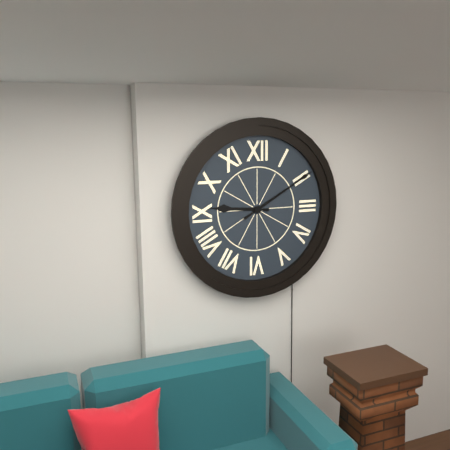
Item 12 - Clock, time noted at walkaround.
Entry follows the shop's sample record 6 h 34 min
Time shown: 9 h 10 min
